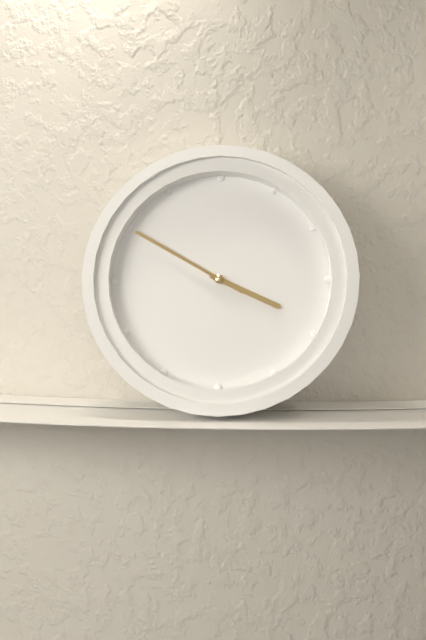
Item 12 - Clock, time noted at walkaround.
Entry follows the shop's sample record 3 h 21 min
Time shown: 3 h 50 min
